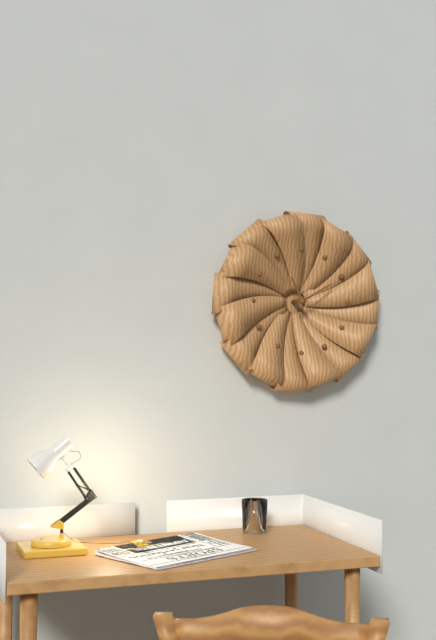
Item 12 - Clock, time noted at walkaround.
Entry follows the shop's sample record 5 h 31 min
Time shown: 11 h 10 min
